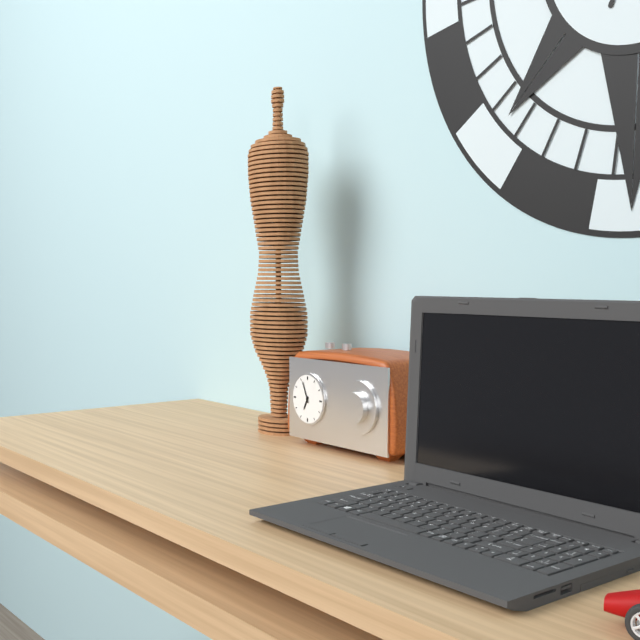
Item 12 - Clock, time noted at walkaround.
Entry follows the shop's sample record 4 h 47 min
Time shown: 6 h 56 min
